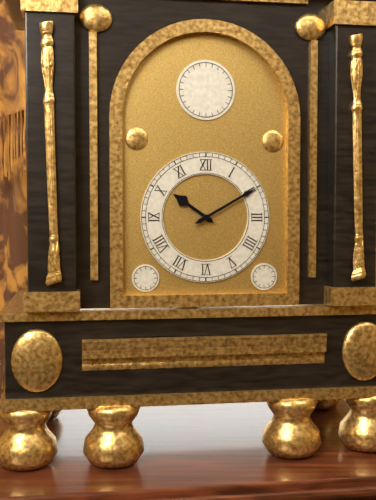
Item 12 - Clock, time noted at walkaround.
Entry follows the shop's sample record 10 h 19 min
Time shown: 10 h 10 min
